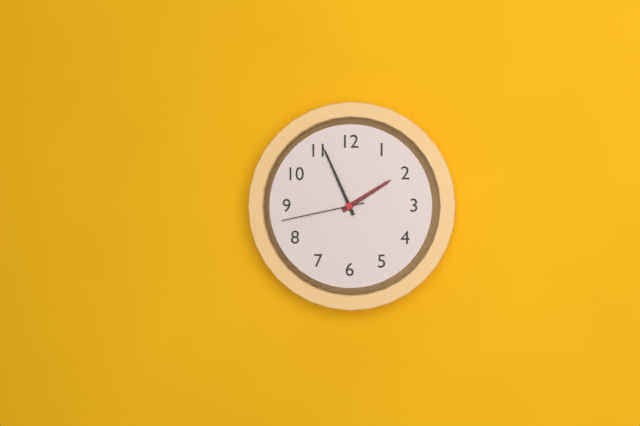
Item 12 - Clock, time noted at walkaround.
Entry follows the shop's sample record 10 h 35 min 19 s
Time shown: 1 h 56 min 43 s
